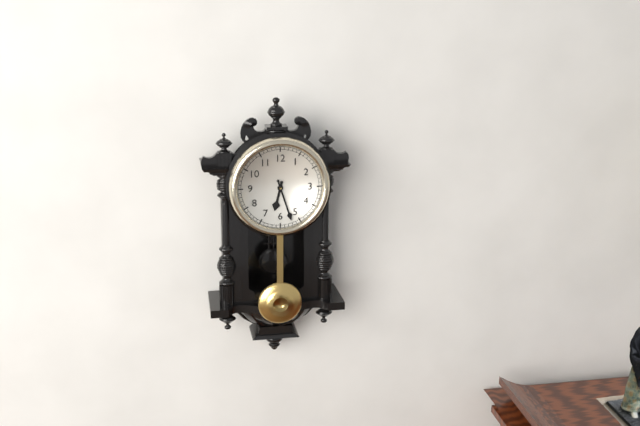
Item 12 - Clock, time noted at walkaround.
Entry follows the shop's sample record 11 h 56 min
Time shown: 6 h 27 min
